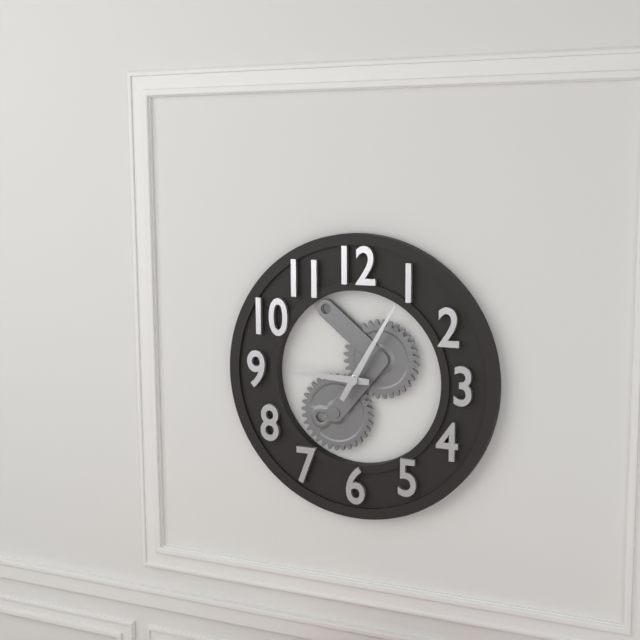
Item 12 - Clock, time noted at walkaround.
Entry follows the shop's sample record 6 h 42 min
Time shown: 9 h 05 min
